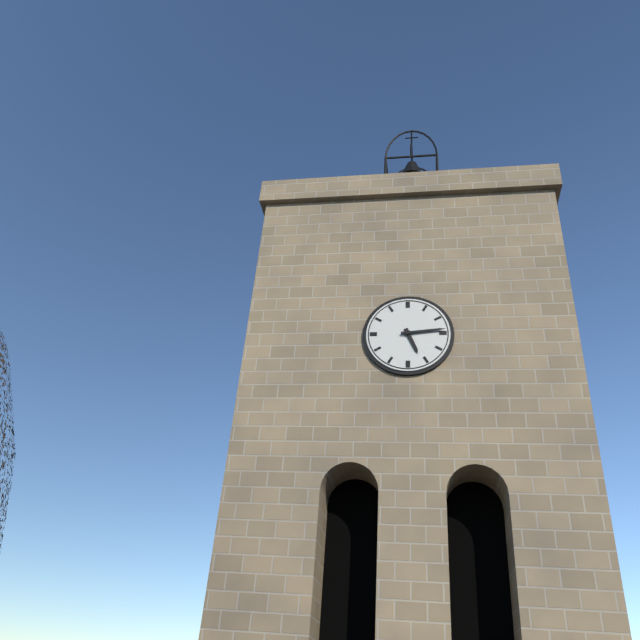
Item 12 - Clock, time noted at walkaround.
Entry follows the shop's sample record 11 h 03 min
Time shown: 5 h 14 min
